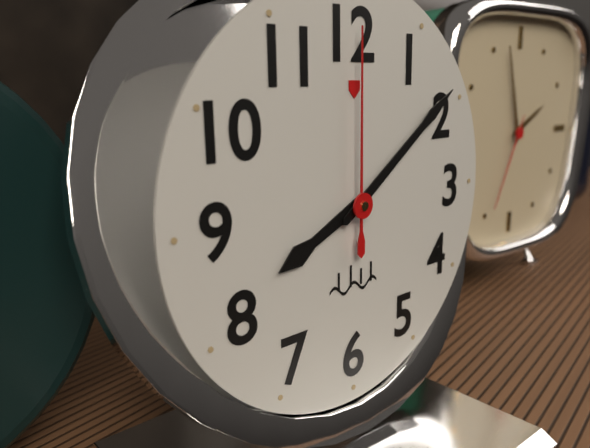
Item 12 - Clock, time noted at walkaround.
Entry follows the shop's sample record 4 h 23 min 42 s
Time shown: 8 h 09 min 00 s
